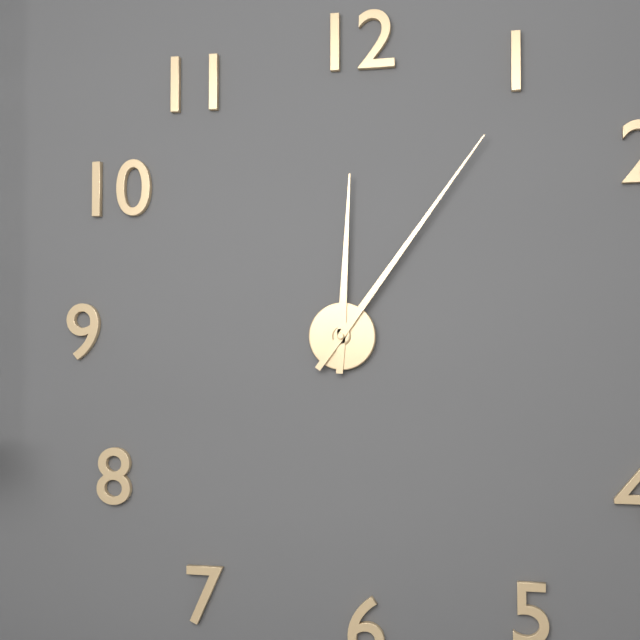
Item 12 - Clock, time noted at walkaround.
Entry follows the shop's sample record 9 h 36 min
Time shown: 12 h 06 min
